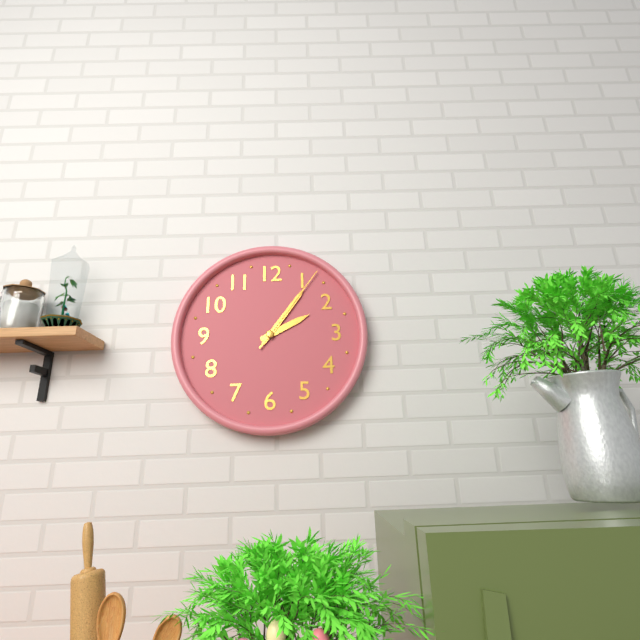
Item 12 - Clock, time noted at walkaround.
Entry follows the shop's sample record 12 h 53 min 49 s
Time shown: 2 h 06 min 06 s
